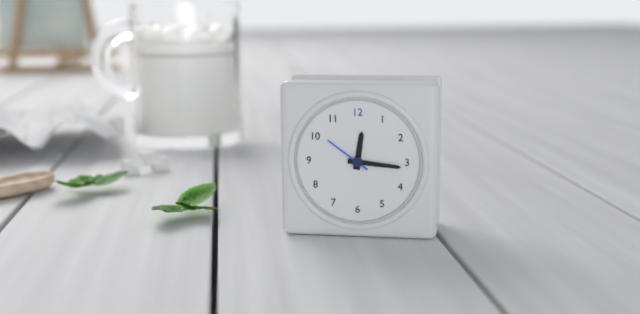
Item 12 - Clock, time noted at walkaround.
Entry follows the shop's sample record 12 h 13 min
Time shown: 12 h 16 min
